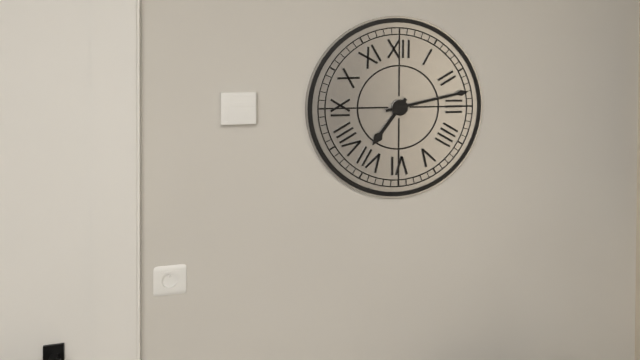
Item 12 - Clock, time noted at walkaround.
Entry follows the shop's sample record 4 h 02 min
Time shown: 7 h 13 min
